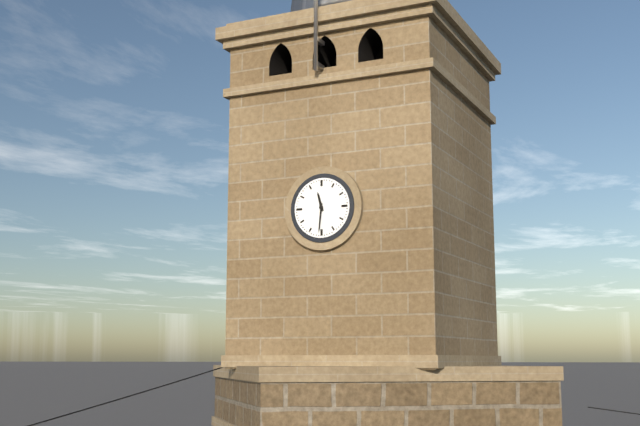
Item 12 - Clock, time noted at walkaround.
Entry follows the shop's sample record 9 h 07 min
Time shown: 11 h 31 min
